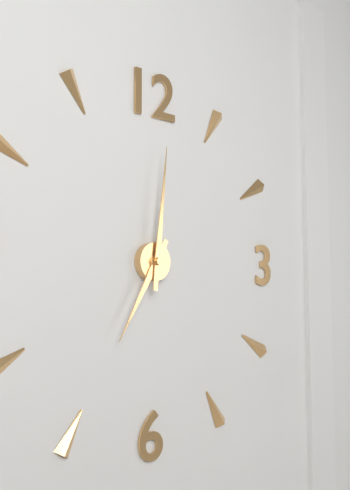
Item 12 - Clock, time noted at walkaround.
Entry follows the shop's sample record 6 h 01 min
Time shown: 7 h 01 min
